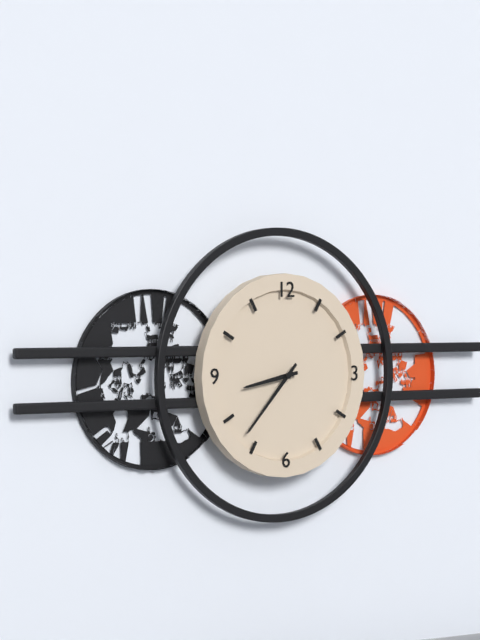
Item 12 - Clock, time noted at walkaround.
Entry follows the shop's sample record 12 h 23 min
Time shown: 8 h 37 min
